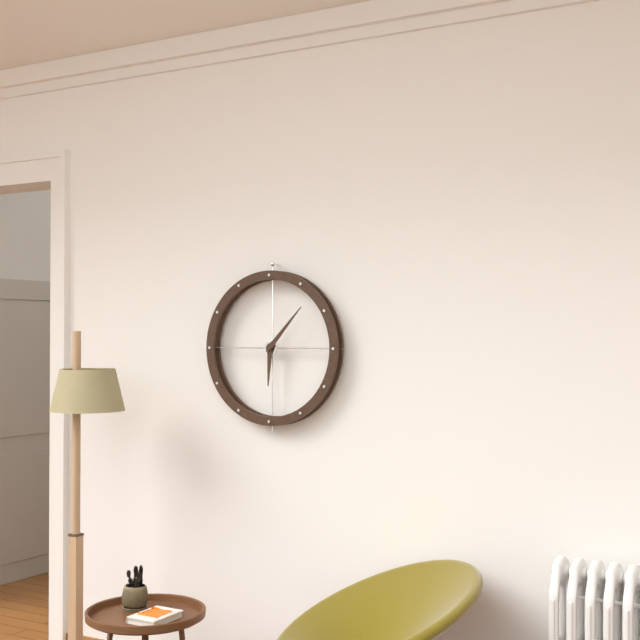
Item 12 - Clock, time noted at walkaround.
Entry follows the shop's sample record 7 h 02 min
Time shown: 6 h 07 min
